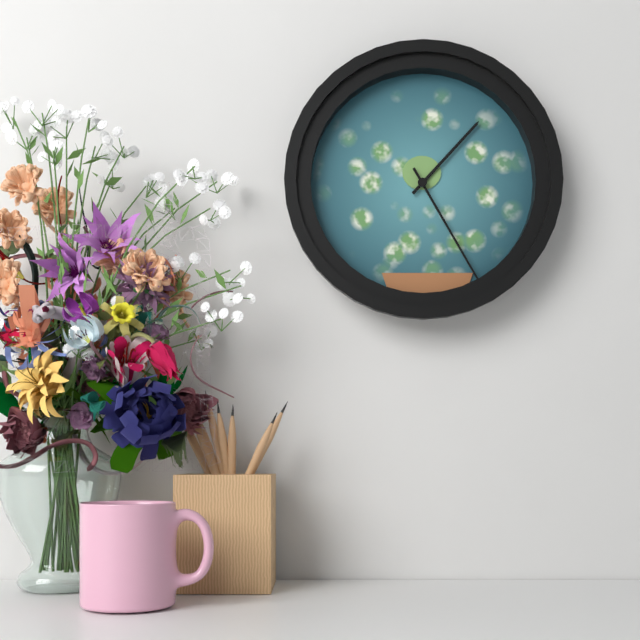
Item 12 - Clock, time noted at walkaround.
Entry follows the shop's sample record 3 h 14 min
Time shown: 1 h 25 min
